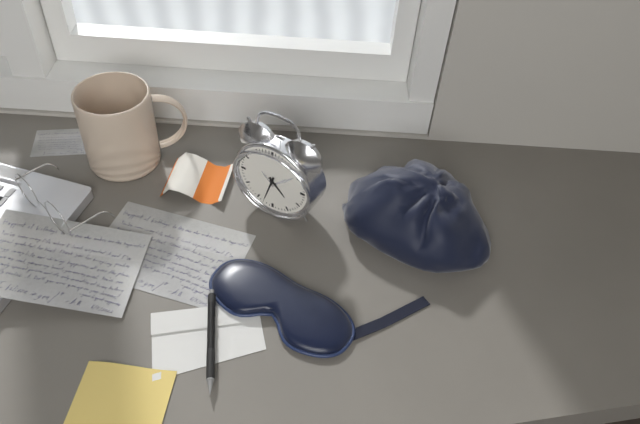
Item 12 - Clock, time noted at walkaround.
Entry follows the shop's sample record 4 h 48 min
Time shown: 4 h 33 min
